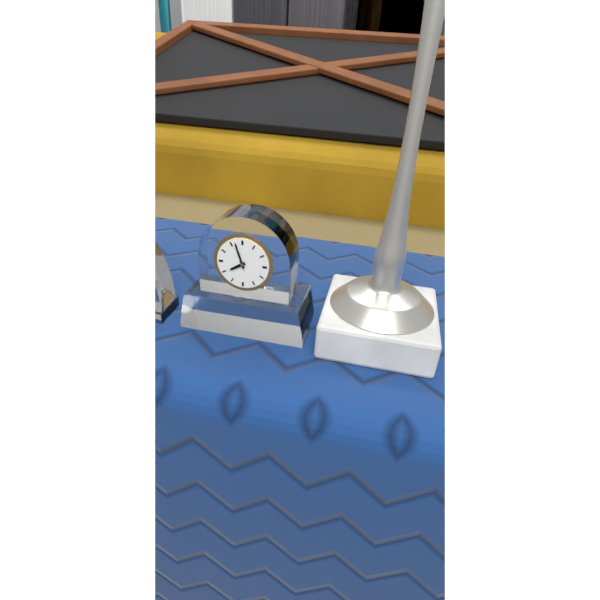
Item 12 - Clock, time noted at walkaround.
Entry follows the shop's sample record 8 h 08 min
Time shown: 7 h 57 min
